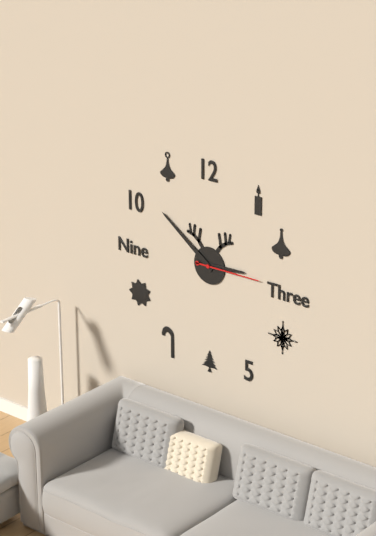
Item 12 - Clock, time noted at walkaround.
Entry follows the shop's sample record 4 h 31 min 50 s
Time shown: 2 h 51 min 15 s
